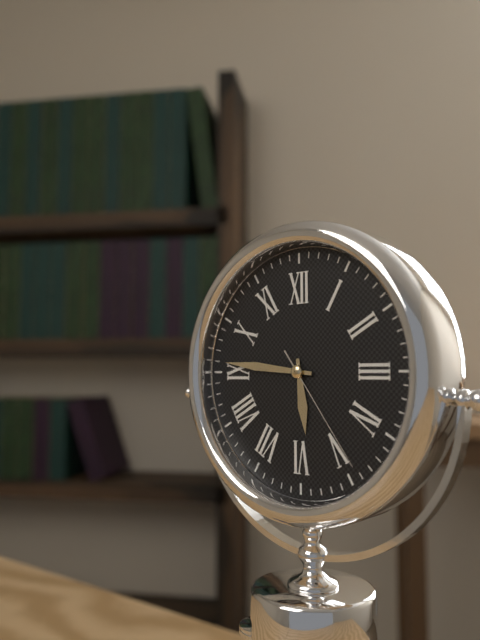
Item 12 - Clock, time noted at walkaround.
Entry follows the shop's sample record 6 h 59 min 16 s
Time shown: 5 h 46 min 24 s
